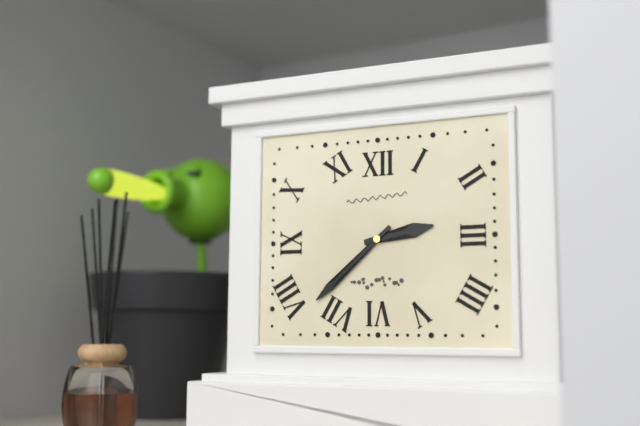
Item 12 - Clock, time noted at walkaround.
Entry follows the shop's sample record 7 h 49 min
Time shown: 2 h 38 min
